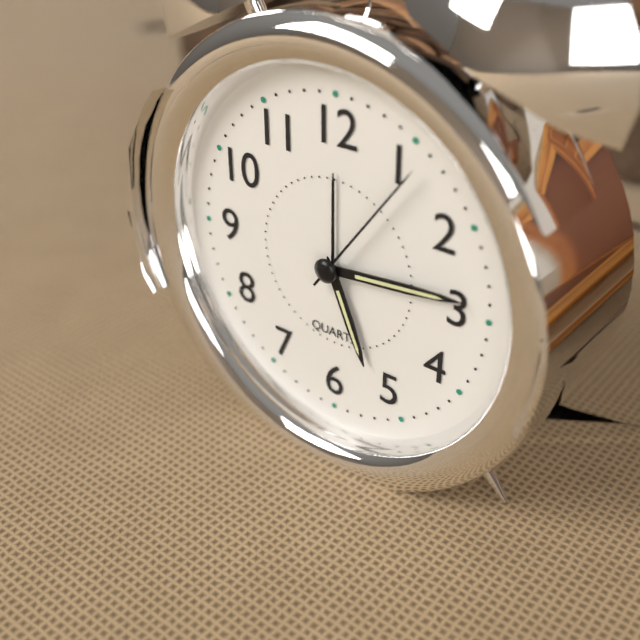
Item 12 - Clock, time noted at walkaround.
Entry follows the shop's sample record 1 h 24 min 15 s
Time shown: 5 h 14 min 06 s
